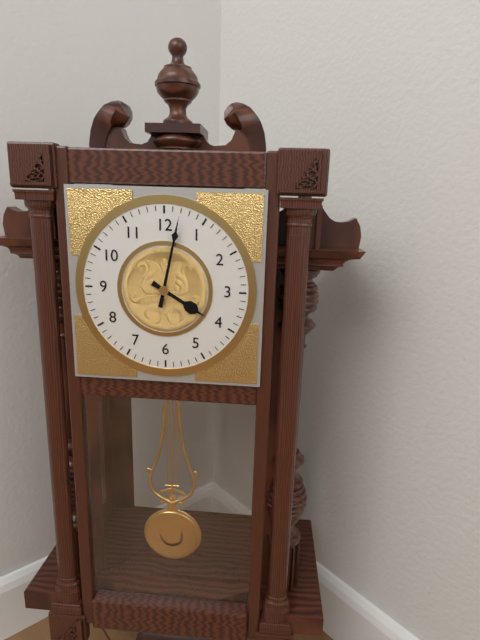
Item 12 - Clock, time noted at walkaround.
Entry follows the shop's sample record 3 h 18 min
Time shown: 4 h 02 min
